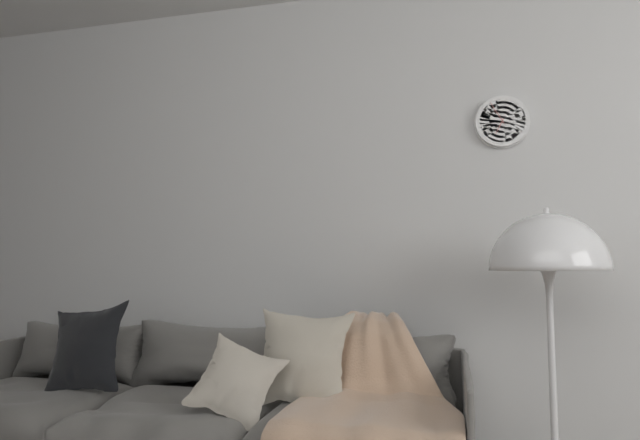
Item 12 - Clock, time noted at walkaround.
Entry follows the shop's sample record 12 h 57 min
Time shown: 6 h 55 min
